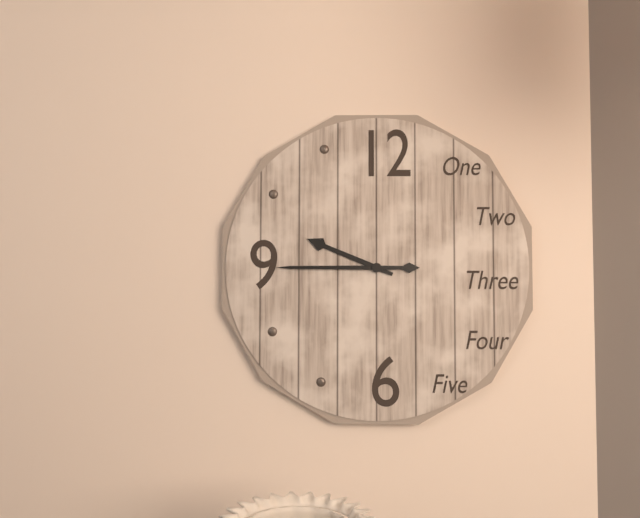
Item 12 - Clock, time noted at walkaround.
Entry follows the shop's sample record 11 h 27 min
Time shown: 9 h 45 min
